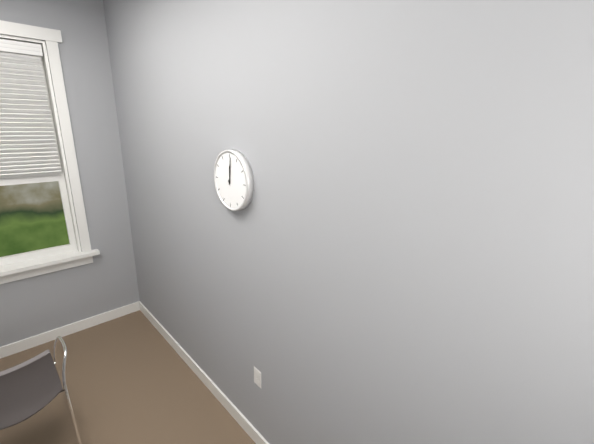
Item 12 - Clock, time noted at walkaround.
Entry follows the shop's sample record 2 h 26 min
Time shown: 12 h 01 min
